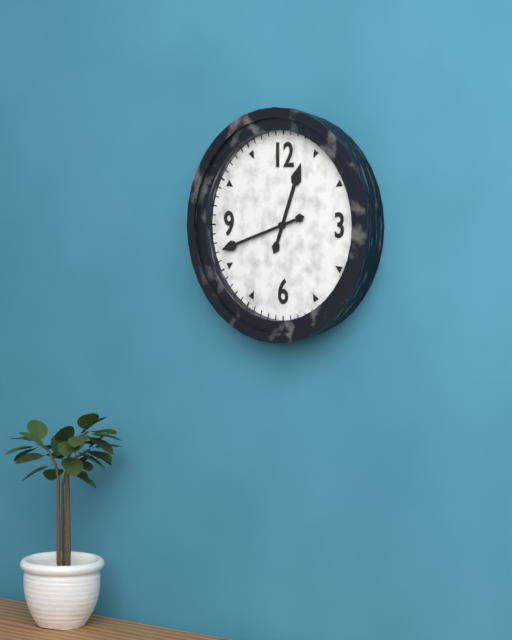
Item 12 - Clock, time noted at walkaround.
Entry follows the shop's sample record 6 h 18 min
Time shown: 12 h 42 min
